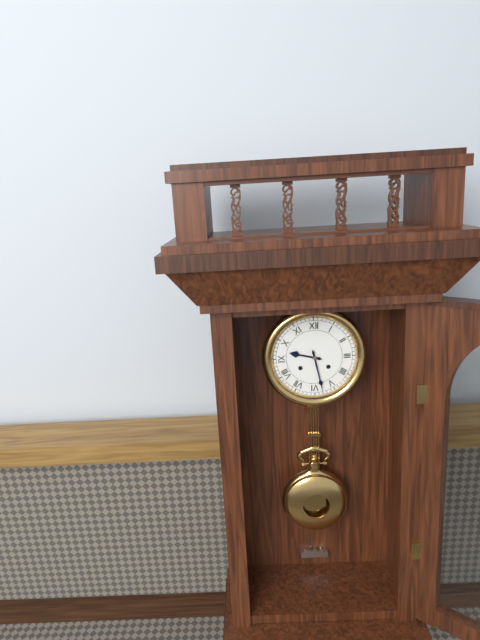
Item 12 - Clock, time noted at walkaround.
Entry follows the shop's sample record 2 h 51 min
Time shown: 9 h 28 min
